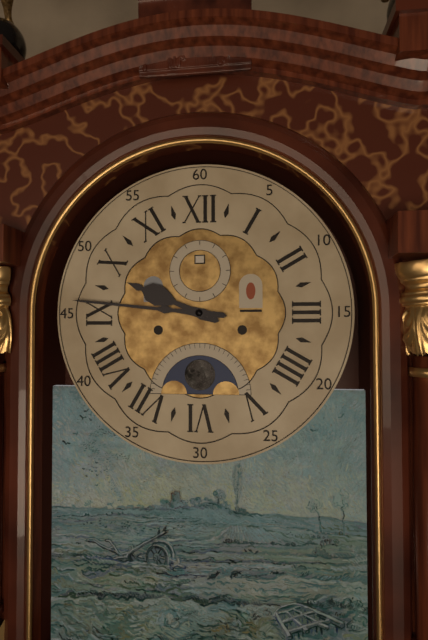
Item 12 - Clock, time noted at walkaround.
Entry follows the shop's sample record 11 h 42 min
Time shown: 9 h 46 min
